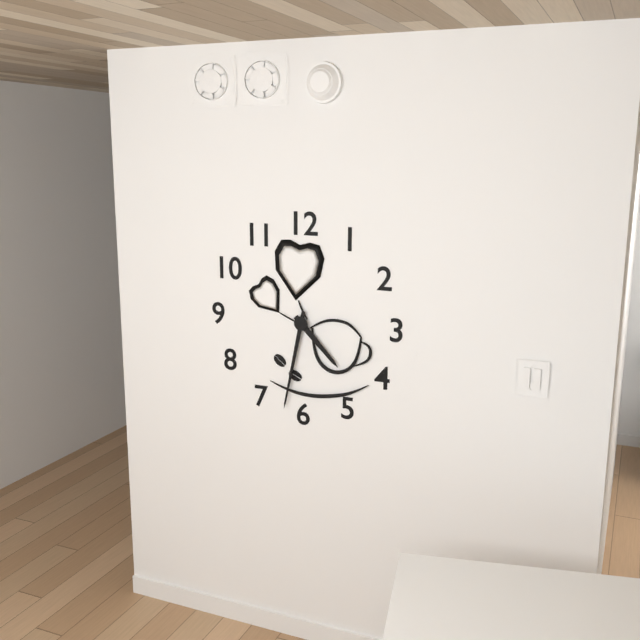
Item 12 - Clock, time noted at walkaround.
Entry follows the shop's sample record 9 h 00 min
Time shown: 4 h 32 min
